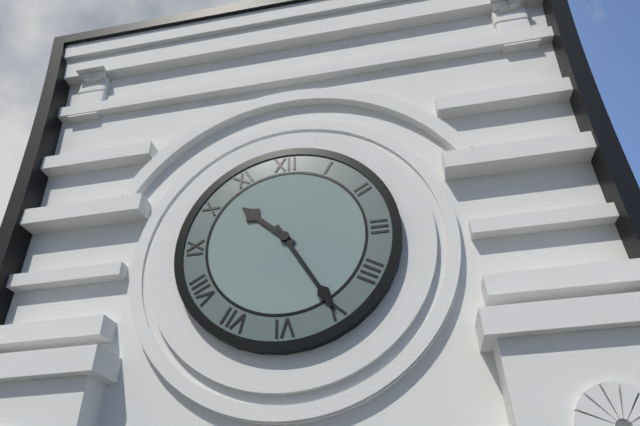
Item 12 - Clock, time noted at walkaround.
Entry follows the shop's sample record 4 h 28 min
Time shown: 10 h 25 min
